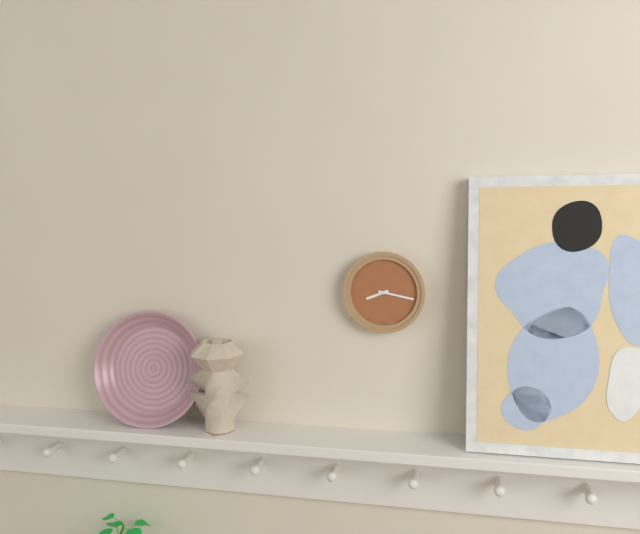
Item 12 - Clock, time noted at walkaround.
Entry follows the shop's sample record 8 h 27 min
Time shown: 8 h 17 min
